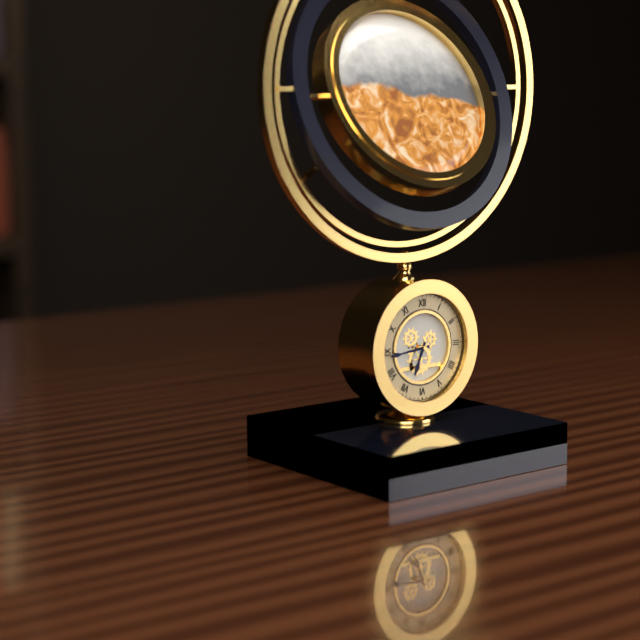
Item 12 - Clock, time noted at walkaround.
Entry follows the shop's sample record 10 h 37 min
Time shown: 6 h 44 min
